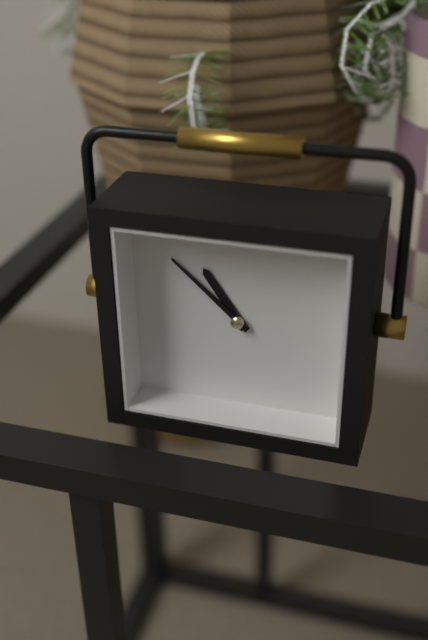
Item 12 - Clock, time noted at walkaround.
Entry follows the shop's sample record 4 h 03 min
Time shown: 10 h 52 min
